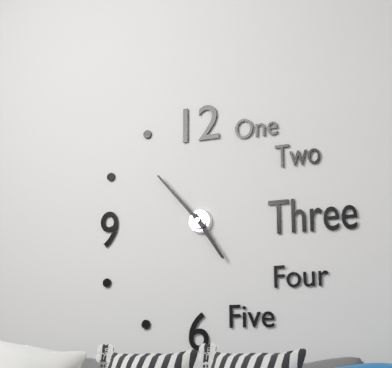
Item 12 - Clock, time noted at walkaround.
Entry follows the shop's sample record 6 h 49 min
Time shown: 4 h 53 min
